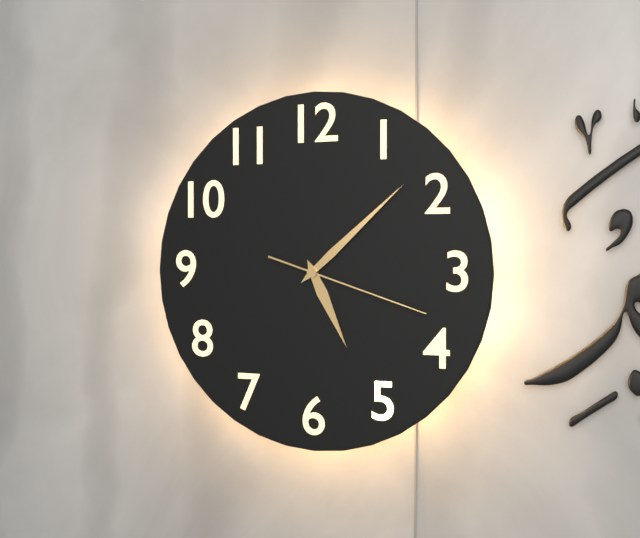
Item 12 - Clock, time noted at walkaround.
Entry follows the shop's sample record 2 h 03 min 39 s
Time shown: 5 h 08 min 18 s
